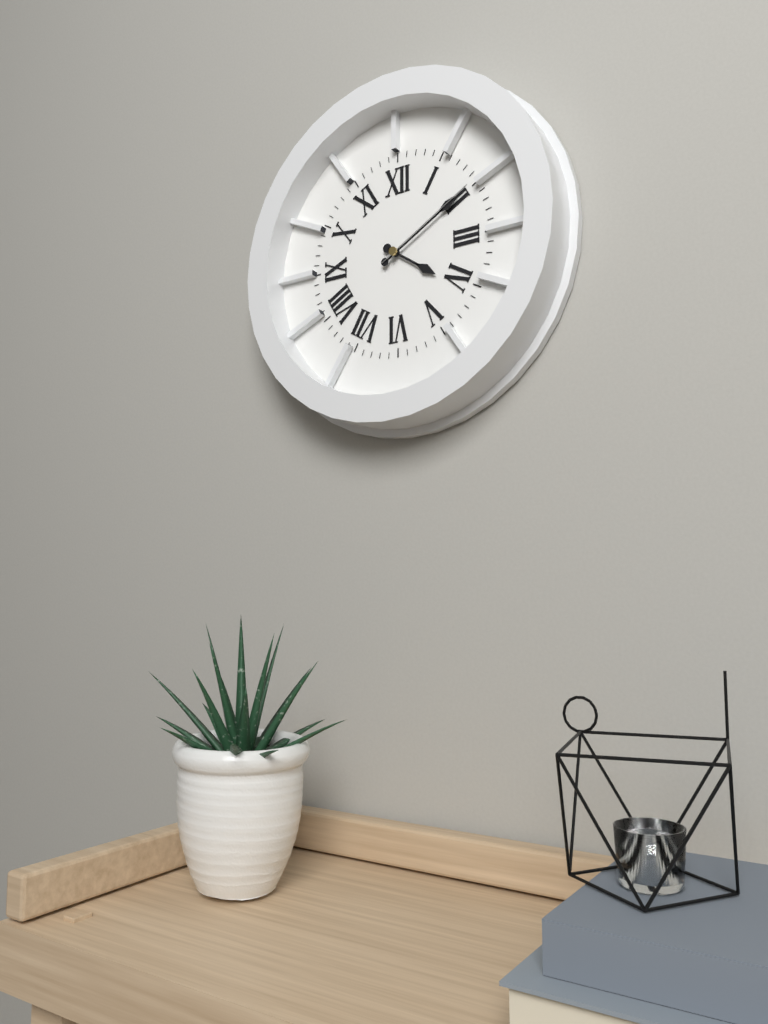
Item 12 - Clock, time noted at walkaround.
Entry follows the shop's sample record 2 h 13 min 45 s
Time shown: 4 h 10 min 10 s
